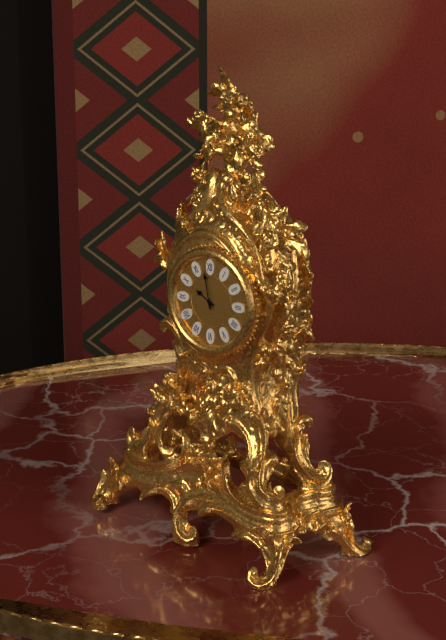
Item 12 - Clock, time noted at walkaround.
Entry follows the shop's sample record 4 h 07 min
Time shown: 9 h 58 min
